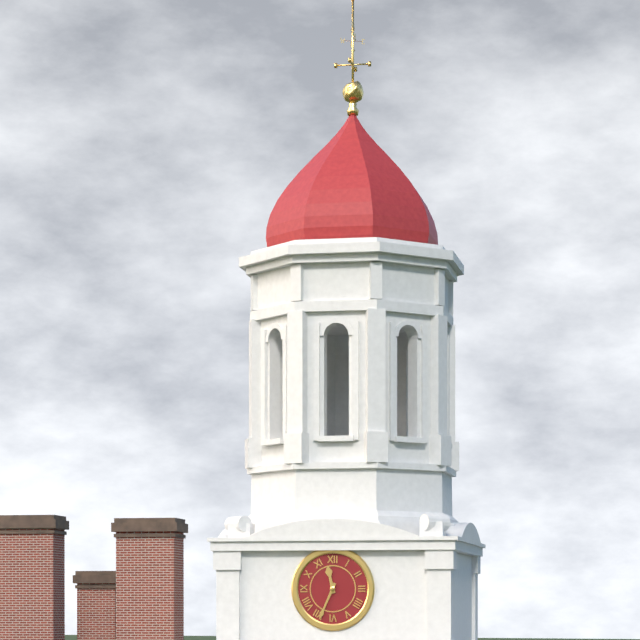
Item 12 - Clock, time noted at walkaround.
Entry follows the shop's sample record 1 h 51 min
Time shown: 11 h 34 min
